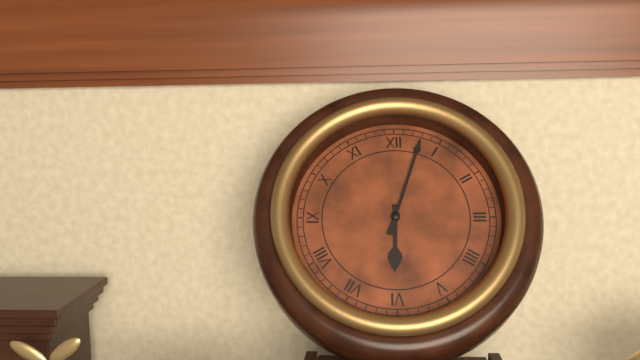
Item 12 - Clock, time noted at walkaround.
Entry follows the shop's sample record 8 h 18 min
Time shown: 6 h 03 min
